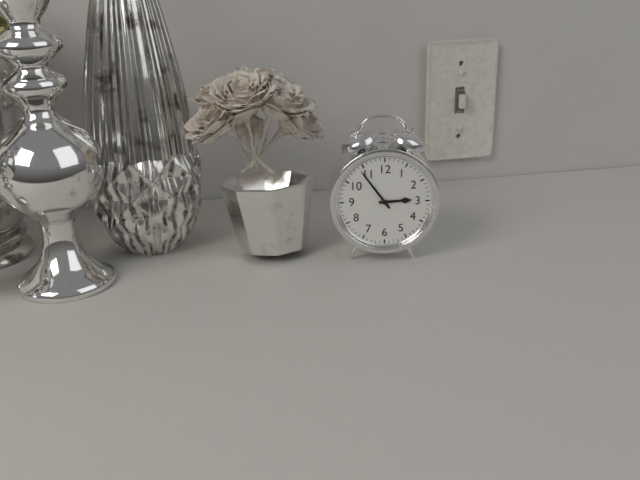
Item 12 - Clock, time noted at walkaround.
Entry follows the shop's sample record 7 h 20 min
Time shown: 2 h 54 min
